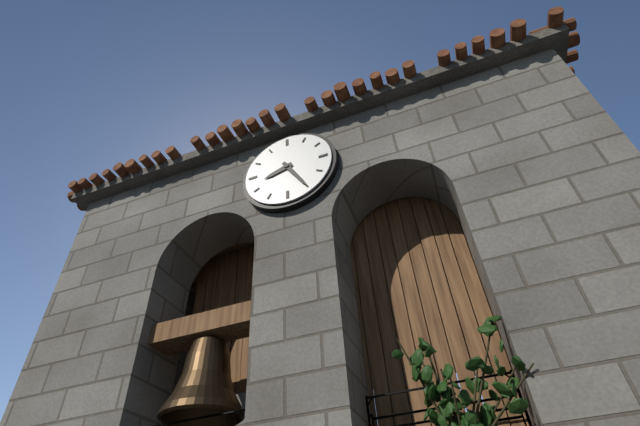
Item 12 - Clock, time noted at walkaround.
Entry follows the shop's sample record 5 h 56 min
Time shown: 8 h 25 min
